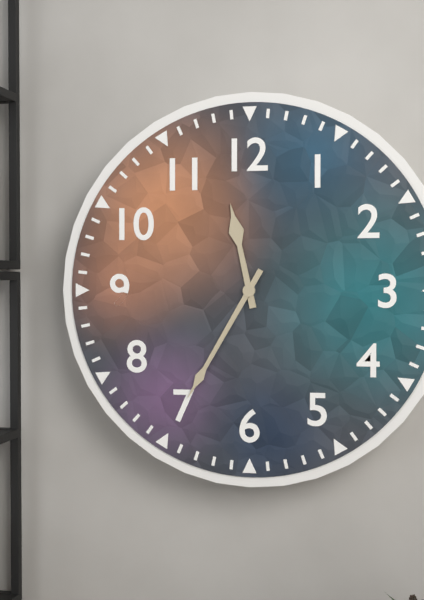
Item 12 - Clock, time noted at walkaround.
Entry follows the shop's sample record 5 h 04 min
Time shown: 11 h 35 min
